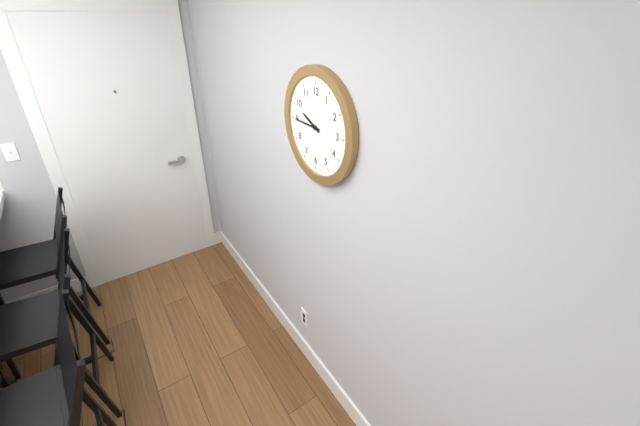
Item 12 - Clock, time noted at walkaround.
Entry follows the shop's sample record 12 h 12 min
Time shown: 9 h 45 min
